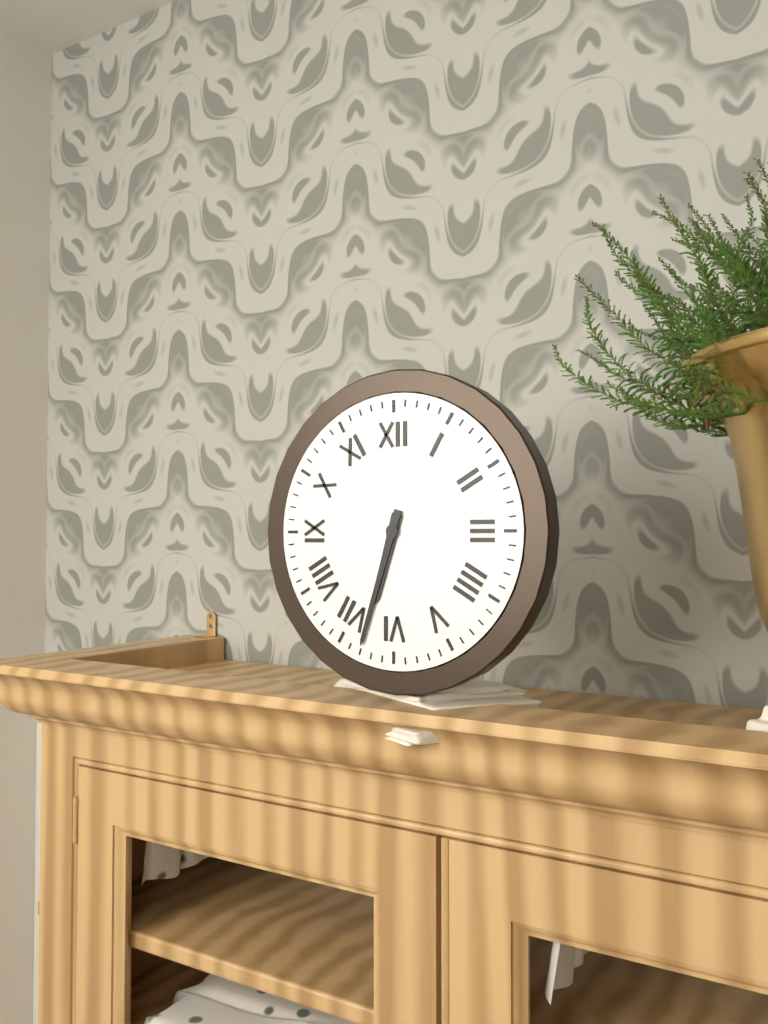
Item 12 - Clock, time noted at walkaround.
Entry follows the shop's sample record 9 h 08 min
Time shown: 6 h 33 min
